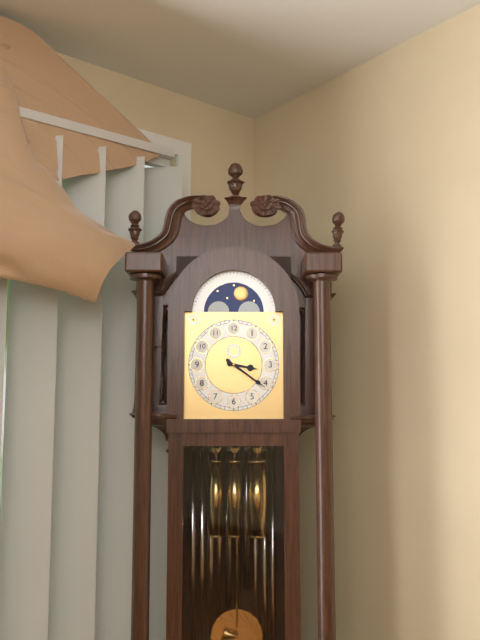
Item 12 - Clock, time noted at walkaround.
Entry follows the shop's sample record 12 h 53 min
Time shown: 3 h 21 min
